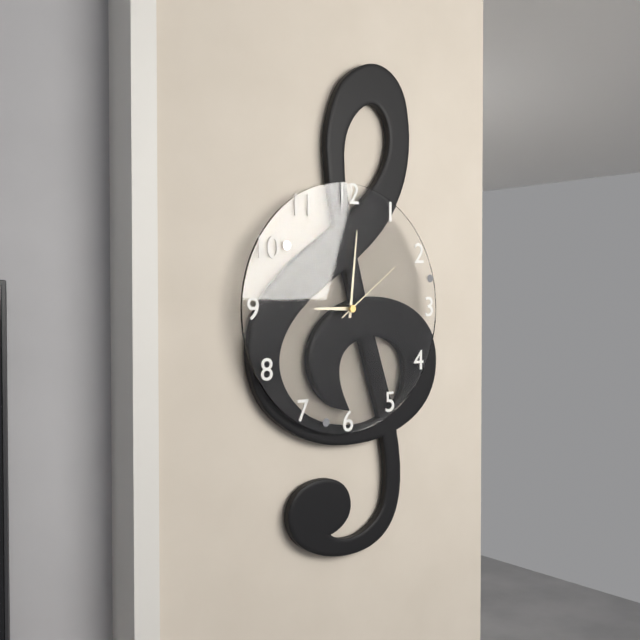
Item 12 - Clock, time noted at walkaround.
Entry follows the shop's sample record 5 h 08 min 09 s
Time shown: 9 h 01 min 09 s
